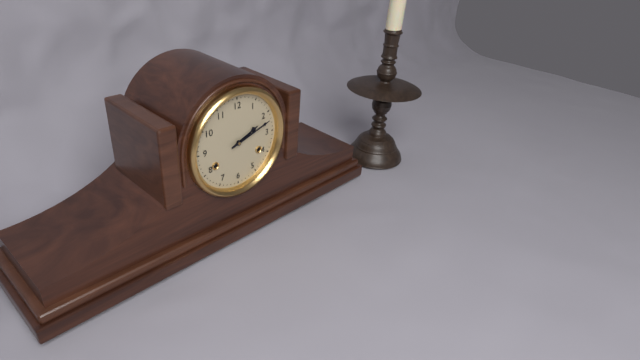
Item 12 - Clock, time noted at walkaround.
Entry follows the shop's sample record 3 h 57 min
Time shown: 2 h 12 min
